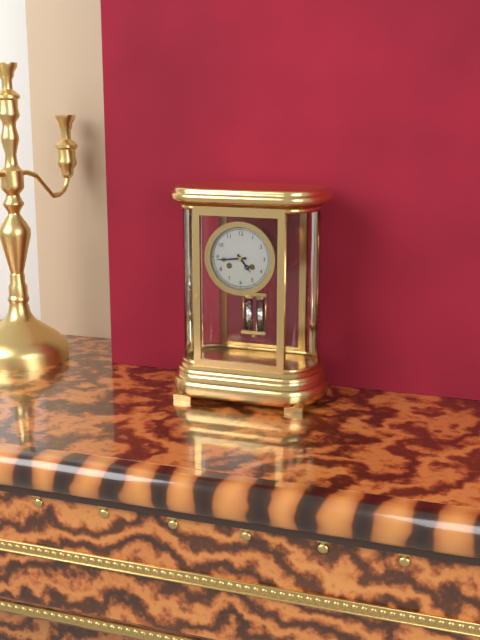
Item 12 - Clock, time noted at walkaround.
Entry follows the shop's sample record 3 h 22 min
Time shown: 4 h 44 min
